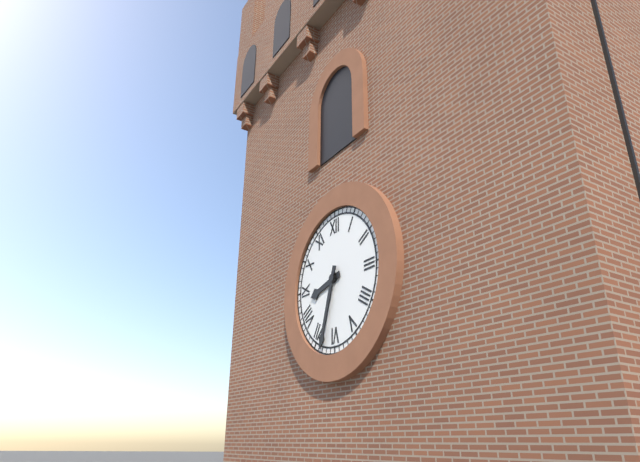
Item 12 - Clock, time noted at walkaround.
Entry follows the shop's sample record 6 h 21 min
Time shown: 8 h 33 min
